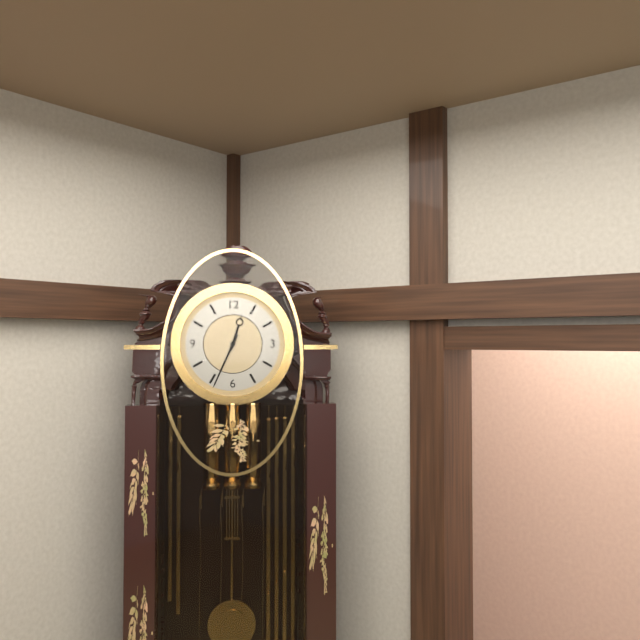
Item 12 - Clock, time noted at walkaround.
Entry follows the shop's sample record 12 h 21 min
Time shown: 12 h 34 min
